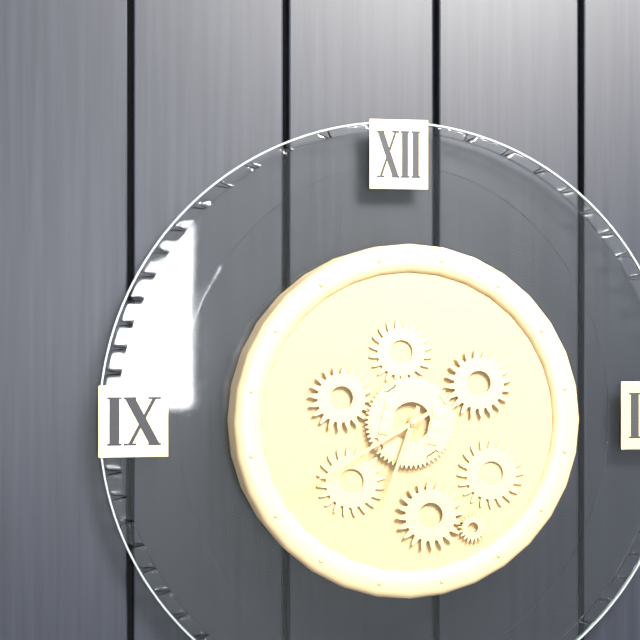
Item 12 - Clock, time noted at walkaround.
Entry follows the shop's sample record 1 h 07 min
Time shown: 6 h 40 min
